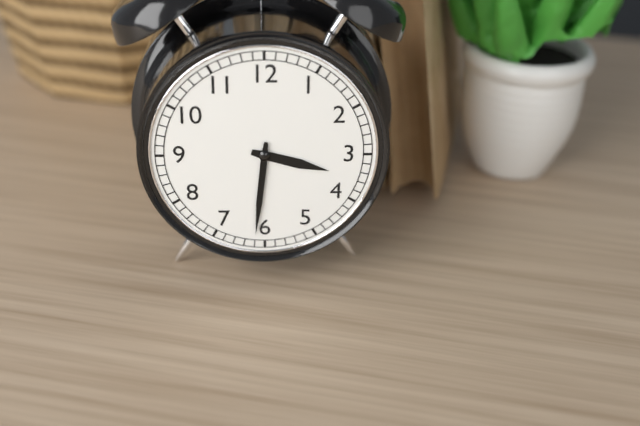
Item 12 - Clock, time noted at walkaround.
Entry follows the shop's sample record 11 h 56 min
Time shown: 3 h 31 min
